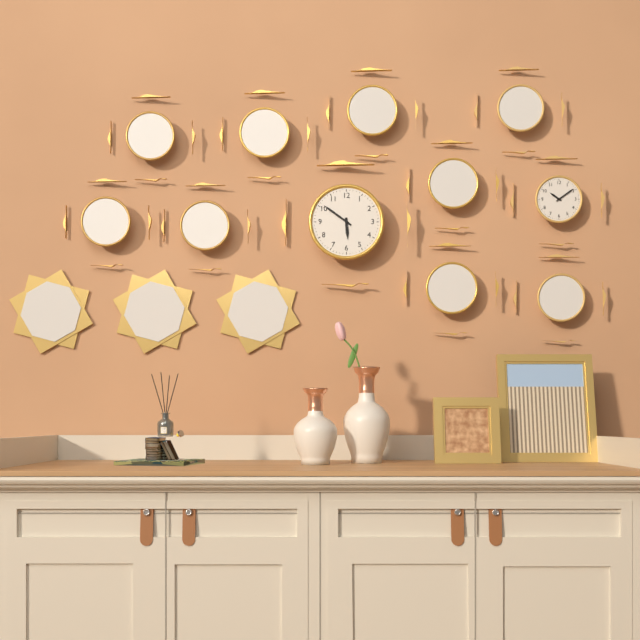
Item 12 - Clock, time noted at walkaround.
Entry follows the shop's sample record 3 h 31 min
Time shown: 5 h 51 min
